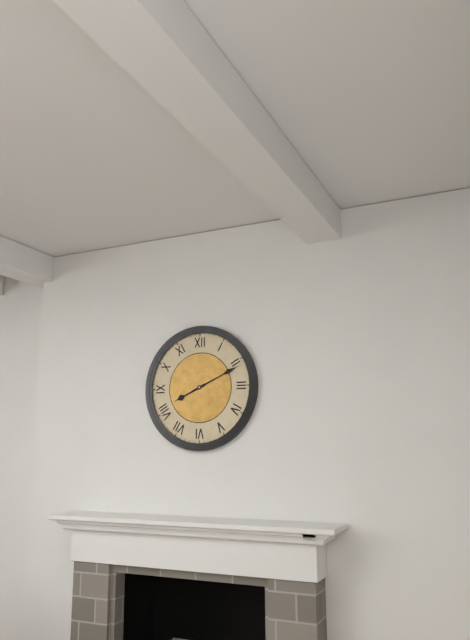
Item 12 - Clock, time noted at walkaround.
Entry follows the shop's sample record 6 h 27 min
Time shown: 8 h 11 min
